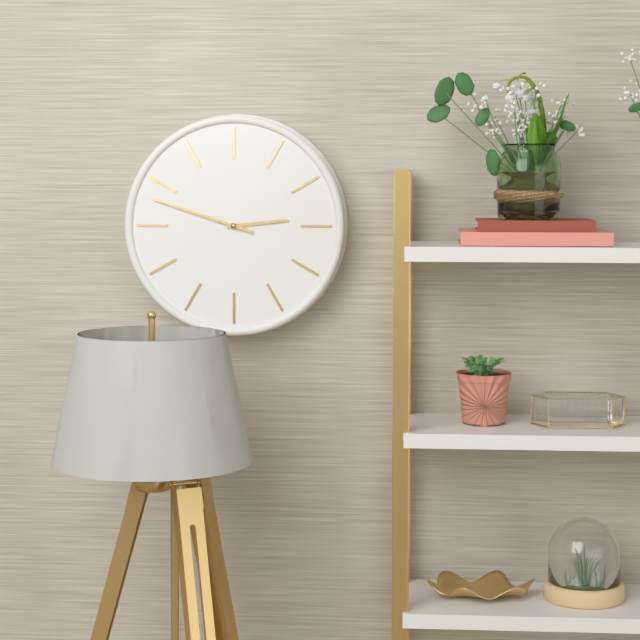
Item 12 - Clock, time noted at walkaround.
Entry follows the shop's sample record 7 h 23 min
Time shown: 2 h 48 min
